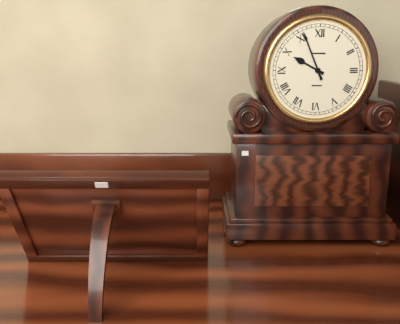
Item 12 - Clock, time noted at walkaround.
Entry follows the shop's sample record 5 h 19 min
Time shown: 9 h 56 min
